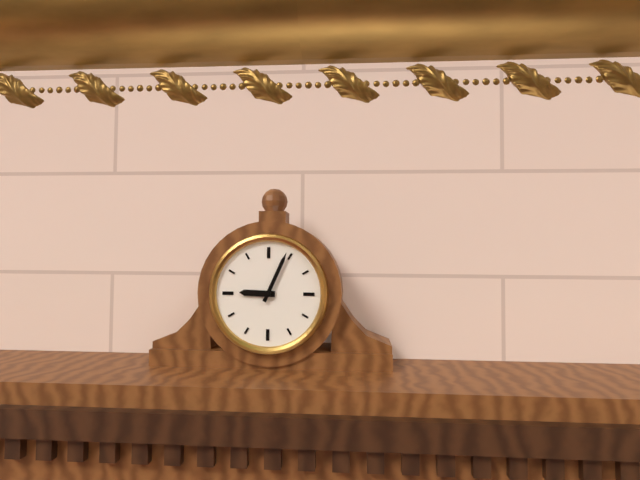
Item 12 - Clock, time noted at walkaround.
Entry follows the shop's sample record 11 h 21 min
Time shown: 9 h 04 min
